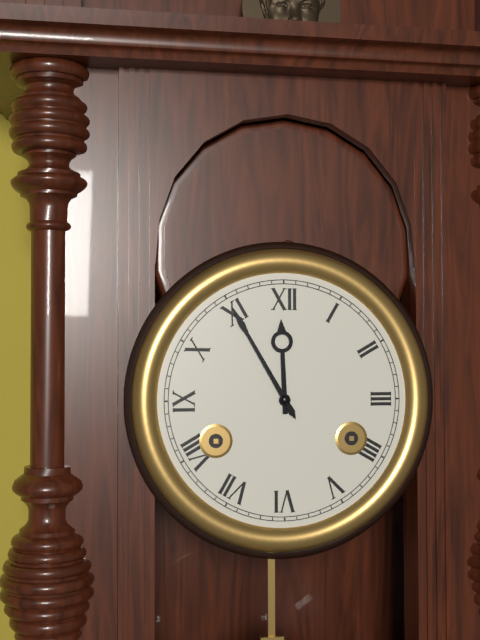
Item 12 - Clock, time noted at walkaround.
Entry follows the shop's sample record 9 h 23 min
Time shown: 11 h 55 min
